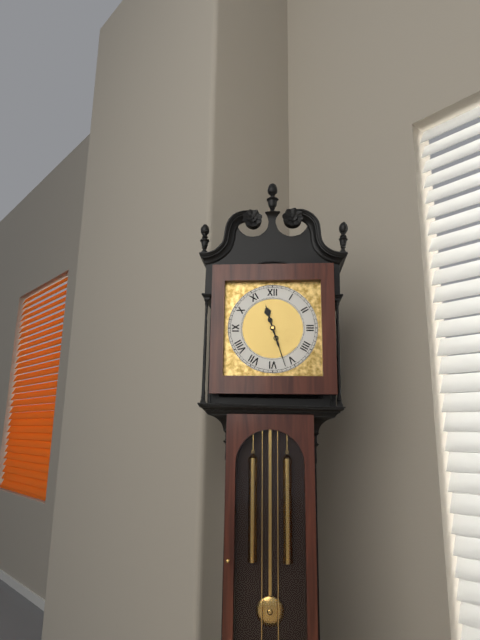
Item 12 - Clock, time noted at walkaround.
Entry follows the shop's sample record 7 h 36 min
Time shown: 11 h 27 min
